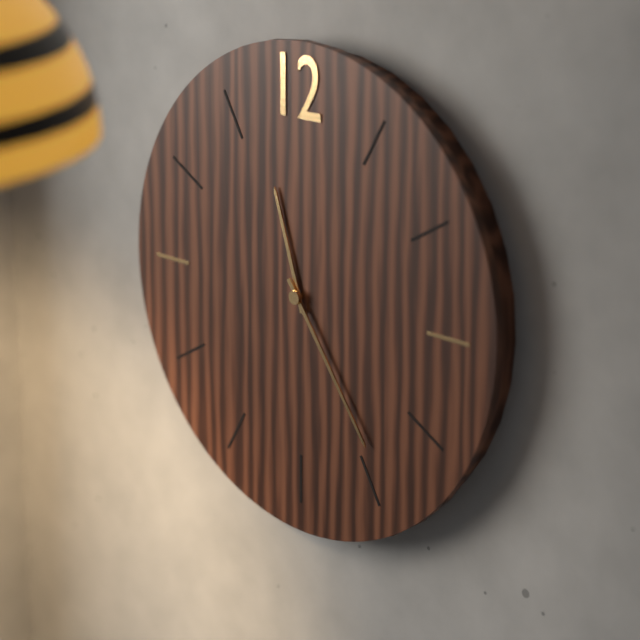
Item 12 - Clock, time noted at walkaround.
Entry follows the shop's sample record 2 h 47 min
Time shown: 11 h 24 min
